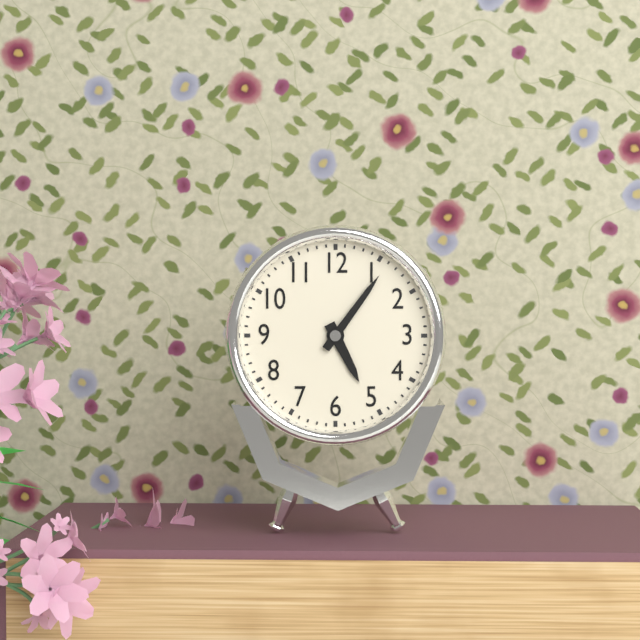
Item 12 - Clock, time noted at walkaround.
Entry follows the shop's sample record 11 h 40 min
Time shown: 5 h 06 min
